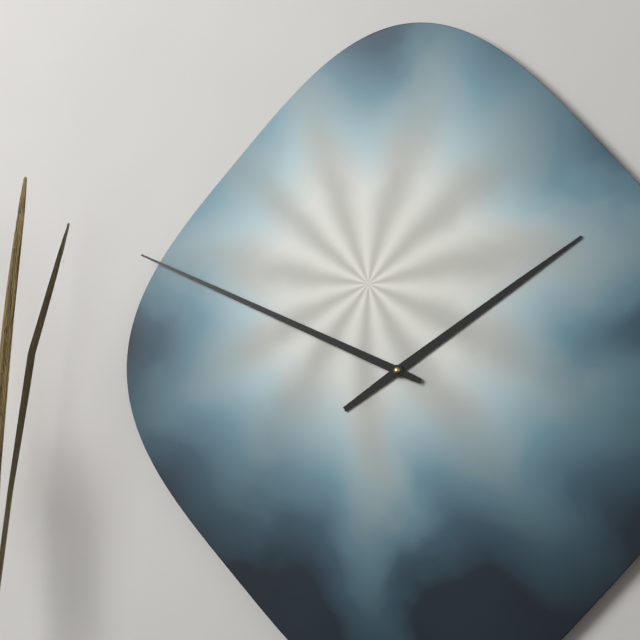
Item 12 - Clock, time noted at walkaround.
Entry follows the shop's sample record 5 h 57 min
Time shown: 1 h 49 min
